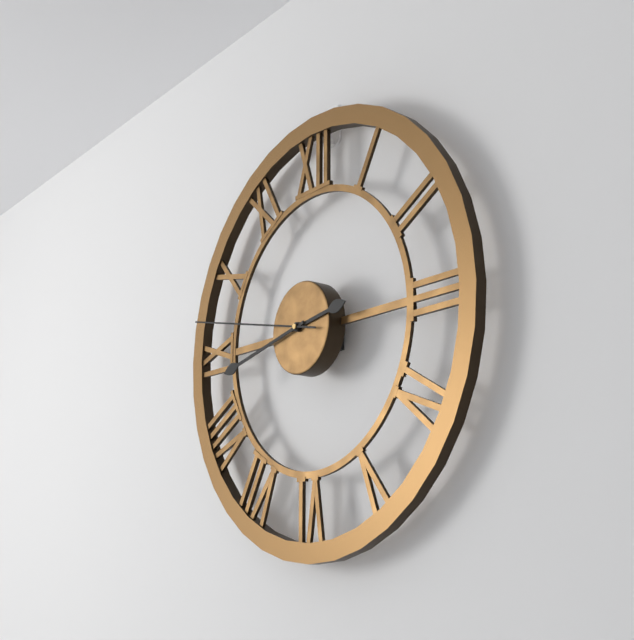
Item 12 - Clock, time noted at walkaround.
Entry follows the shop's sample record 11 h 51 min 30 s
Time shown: 2 h 43 min 47 s
